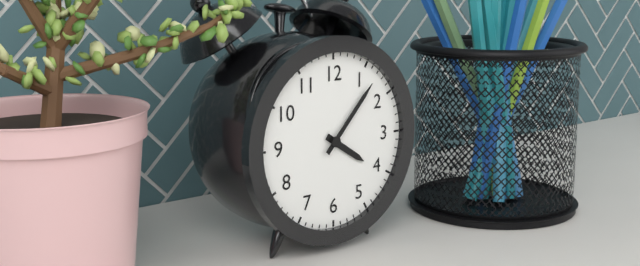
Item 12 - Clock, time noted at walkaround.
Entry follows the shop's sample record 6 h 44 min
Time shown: 4 h 07 min
